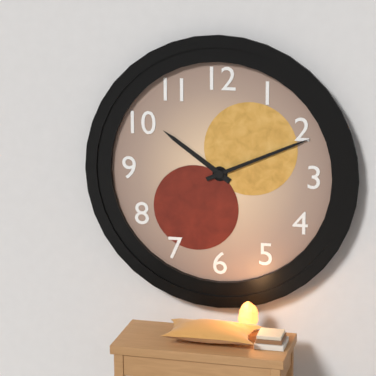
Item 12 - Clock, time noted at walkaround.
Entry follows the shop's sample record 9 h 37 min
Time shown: 10 h 11 min
